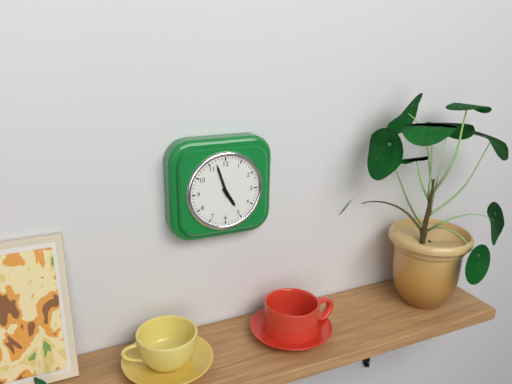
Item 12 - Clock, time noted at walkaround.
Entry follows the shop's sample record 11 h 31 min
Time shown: 4 h 57 min
